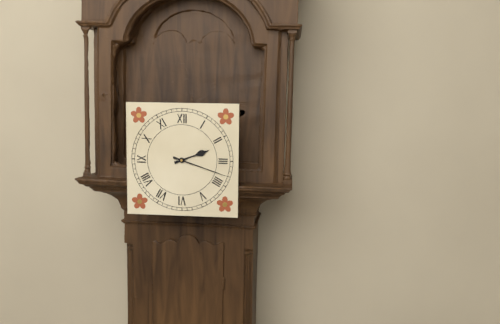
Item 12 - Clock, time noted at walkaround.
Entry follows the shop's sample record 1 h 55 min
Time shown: 2 h 18 min
